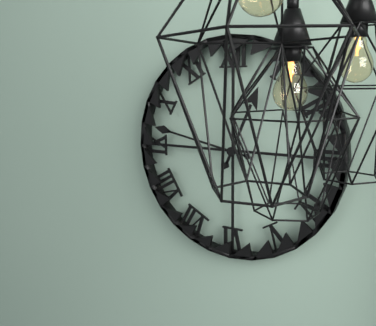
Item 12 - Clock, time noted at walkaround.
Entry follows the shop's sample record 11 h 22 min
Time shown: 12 h 47 min
